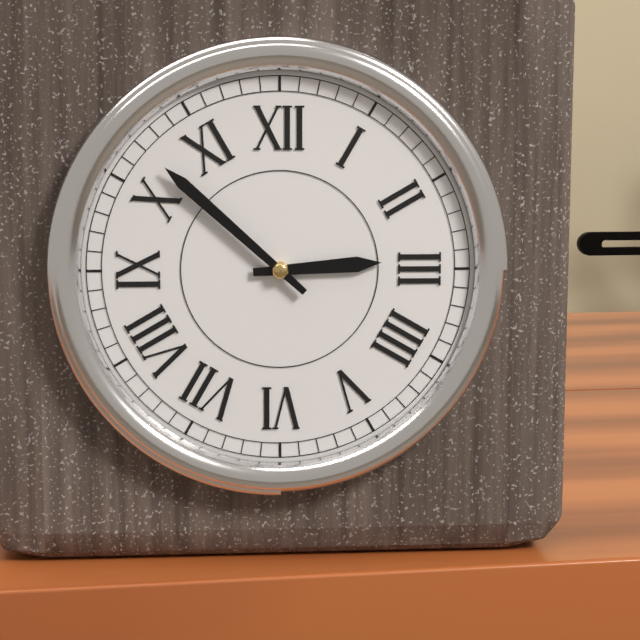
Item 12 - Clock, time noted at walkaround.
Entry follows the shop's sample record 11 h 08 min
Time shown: 2 h 52 min
